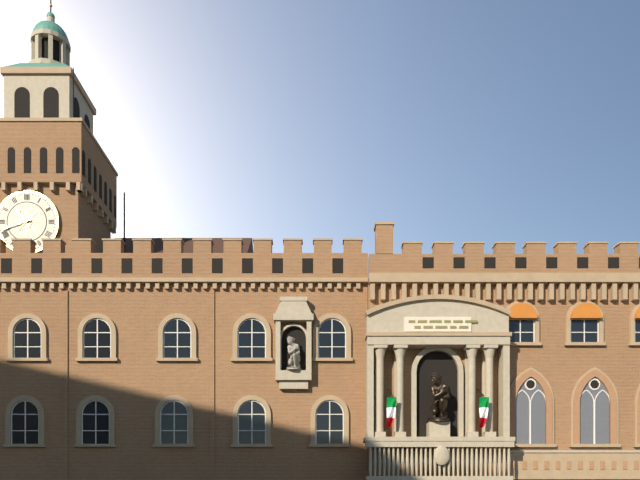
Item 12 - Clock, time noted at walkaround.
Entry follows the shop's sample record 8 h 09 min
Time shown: 10 h 42 min
